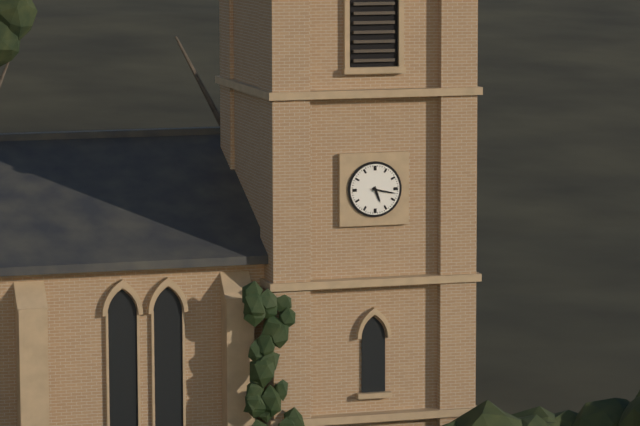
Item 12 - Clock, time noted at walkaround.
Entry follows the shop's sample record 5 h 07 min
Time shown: 5 h 17 min
